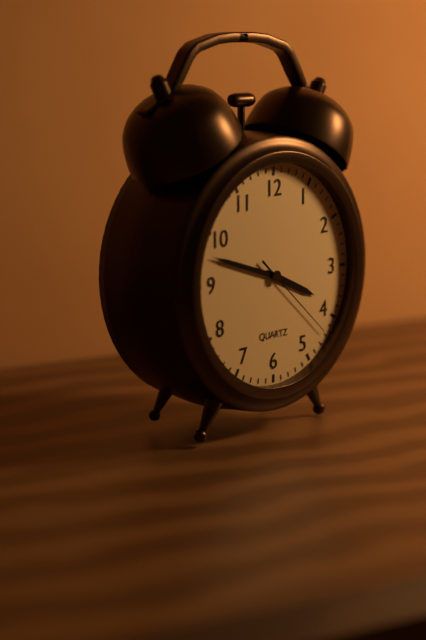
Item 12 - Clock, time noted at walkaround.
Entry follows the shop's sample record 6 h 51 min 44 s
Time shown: 3 h 48 min 22 s
